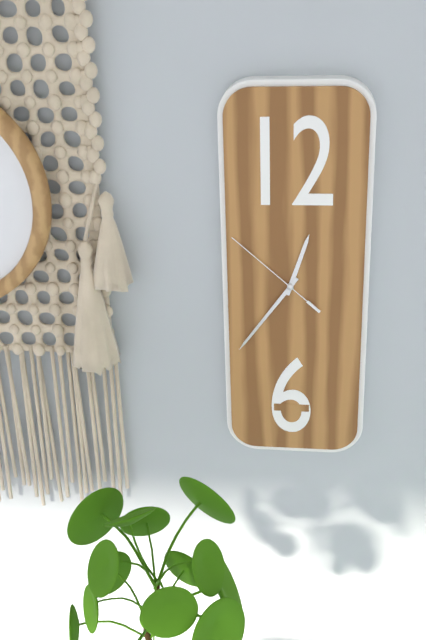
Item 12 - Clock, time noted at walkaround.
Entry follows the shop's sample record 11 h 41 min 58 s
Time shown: 12 h 36 min 52 s
